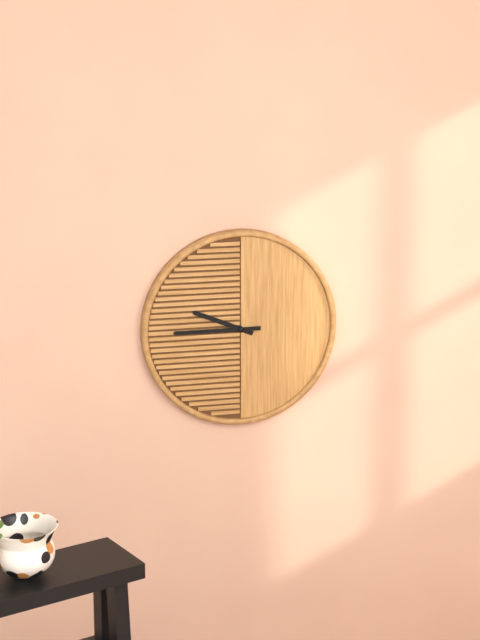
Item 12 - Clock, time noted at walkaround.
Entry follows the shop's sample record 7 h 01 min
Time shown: 9 h 45 min
